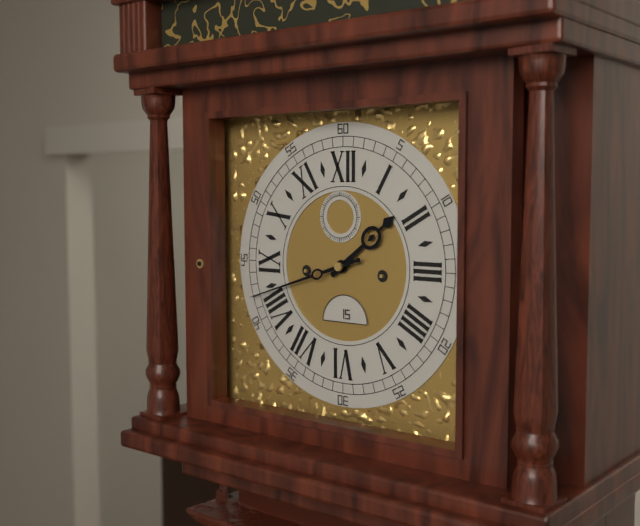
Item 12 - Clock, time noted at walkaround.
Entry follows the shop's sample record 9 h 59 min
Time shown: 1 h 42 min
